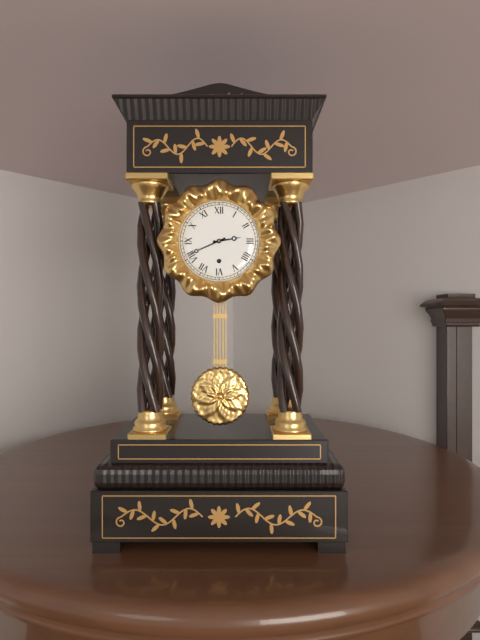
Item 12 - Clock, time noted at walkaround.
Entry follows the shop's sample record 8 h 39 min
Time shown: 2 h 41 min
